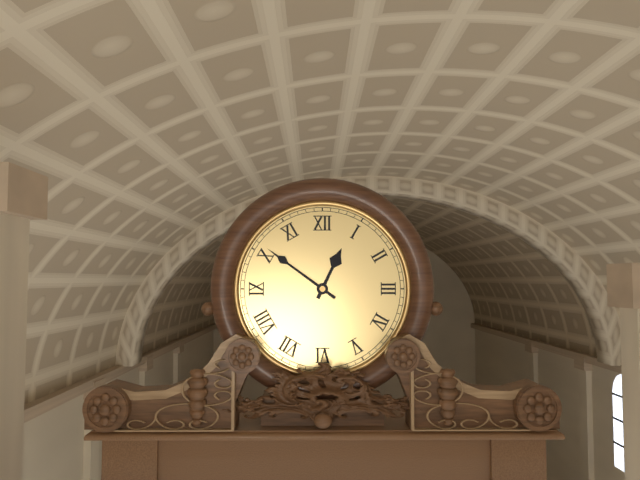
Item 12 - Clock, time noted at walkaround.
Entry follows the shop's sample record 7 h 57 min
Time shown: 12 h 51 min
